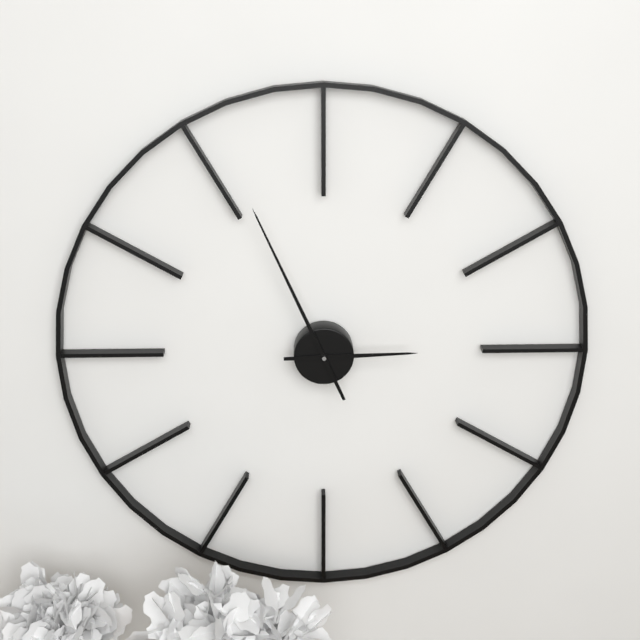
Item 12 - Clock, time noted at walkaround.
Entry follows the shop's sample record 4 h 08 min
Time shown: 2 h 56 min
